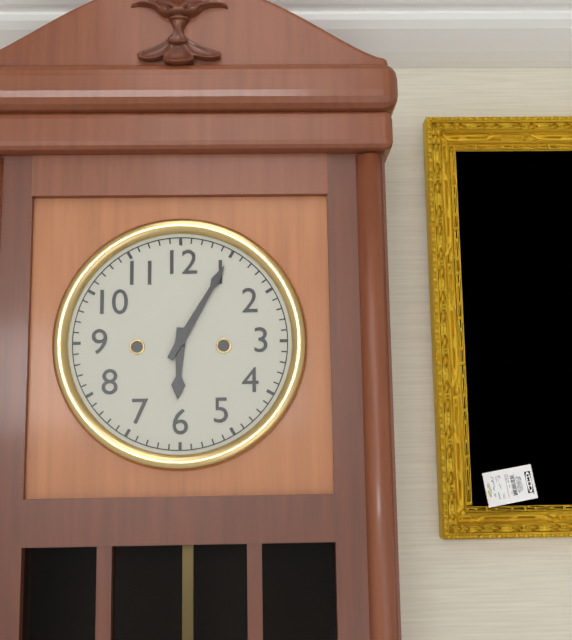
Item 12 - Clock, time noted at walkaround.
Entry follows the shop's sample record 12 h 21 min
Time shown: 6 h 05 min
